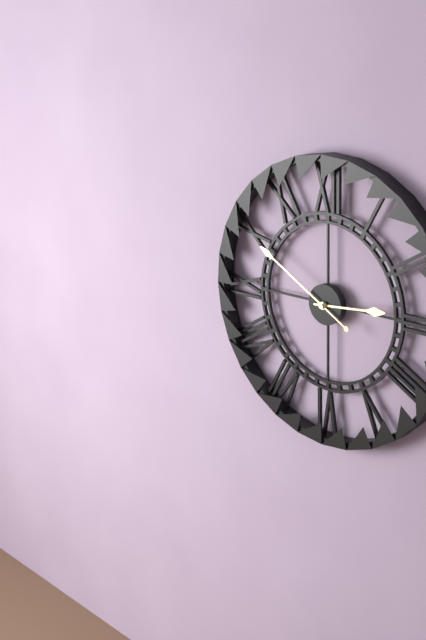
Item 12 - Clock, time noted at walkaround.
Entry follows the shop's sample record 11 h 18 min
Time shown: 2 h 50 min
